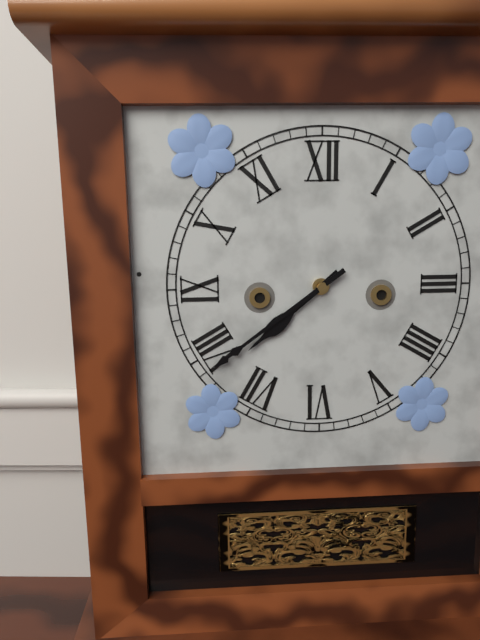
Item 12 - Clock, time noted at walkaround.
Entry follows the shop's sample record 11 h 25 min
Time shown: 7 h 39 min
